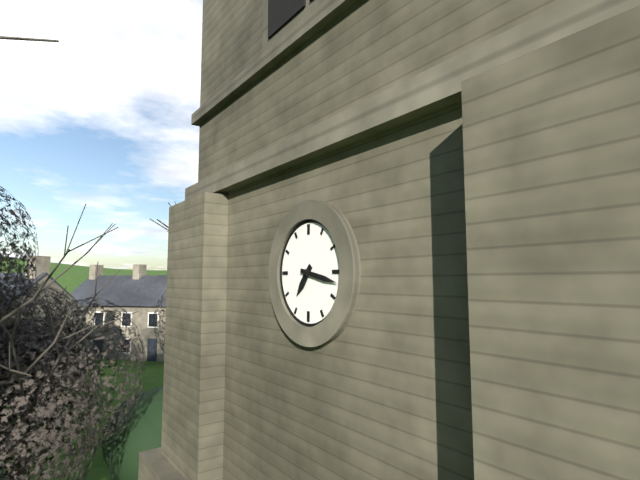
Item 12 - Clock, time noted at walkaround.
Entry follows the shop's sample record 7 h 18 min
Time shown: 7 h 17 min
